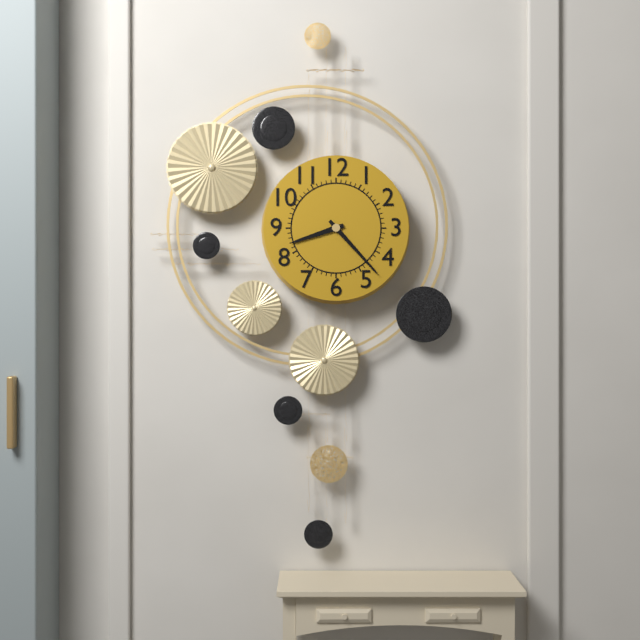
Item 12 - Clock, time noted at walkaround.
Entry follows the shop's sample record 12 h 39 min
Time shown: 8 h 23 min
